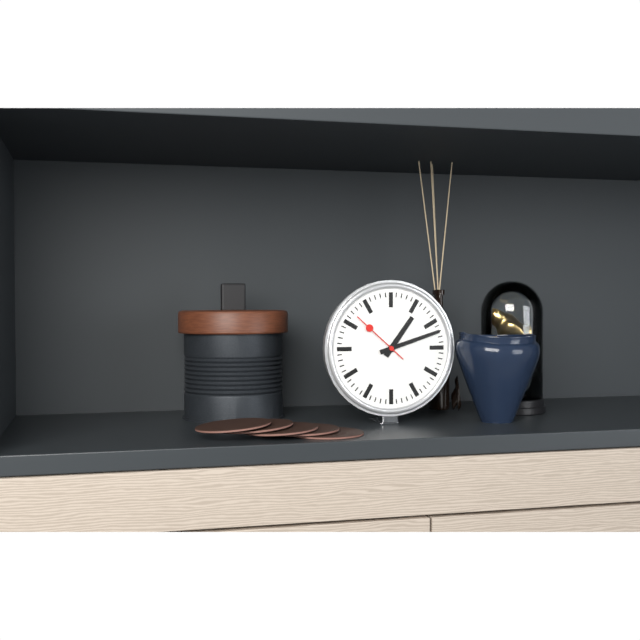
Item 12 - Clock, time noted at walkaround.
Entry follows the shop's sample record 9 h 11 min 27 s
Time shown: 1 h 12 min 52 s
